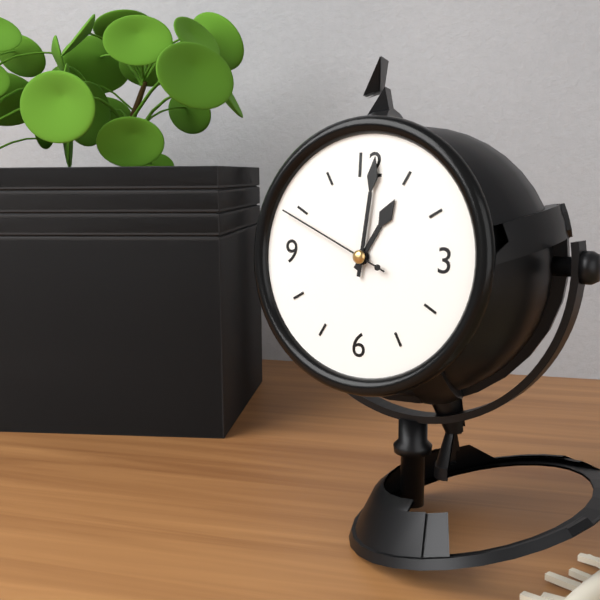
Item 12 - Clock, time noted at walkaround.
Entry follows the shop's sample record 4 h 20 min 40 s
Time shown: 1 h 01 min 49 s
